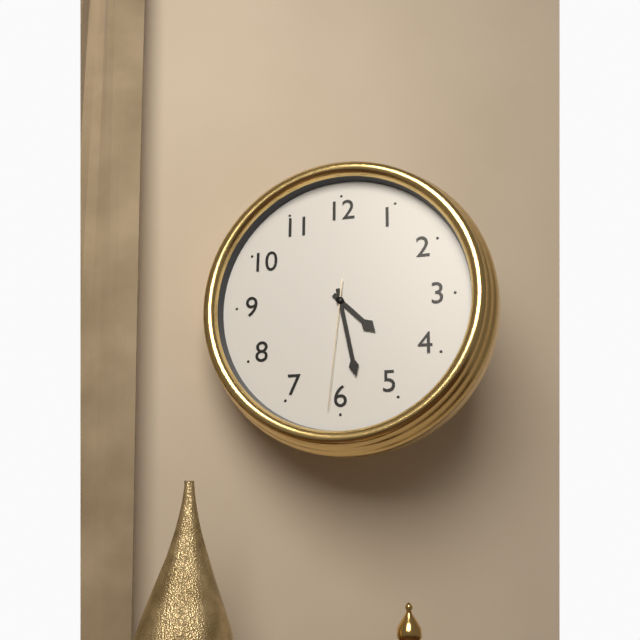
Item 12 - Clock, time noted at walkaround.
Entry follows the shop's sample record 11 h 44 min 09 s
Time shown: 4 h 28 min 31 s
